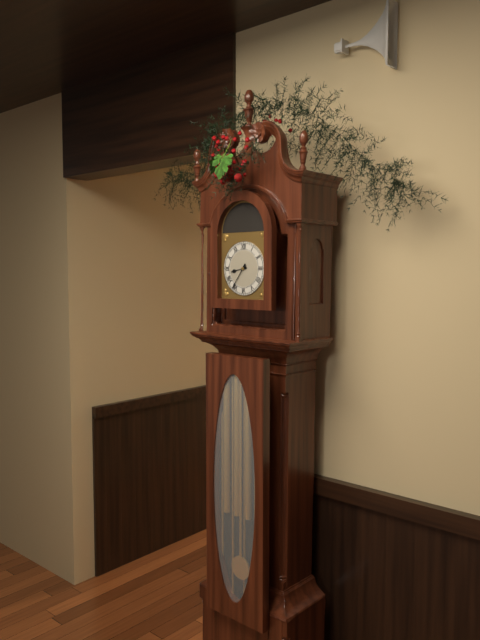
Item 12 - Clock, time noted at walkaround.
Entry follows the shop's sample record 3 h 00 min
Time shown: 8 h 36 min
